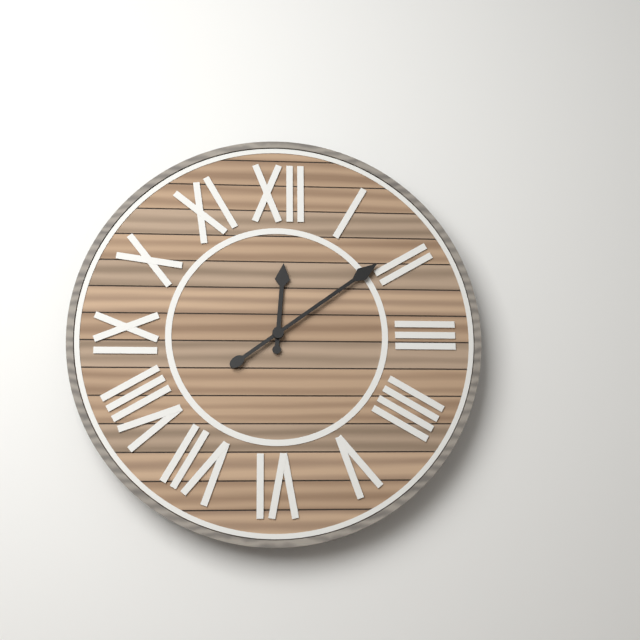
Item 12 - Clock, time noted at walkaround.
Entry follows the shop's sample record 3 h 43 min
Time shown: 12 h 09 min
